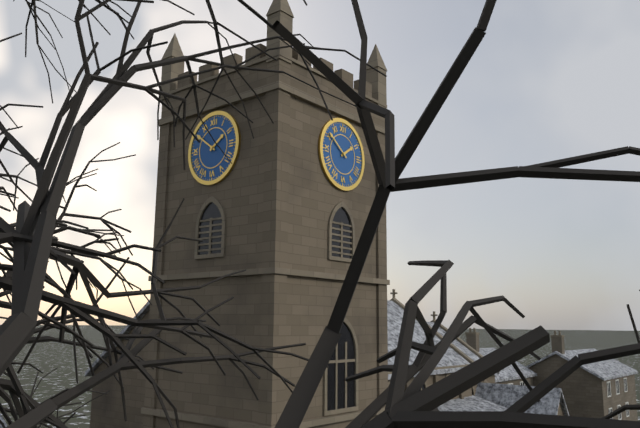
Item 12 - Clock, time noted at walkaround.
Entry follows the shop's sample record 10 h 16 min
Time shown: 1 h 51 min
